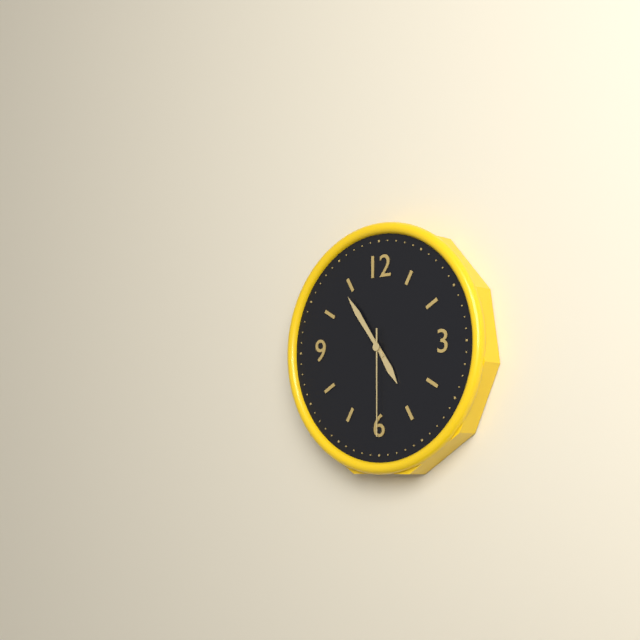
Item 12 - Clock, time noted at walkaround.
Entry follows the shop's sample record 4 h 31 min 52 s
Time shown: 4 h 54 min 30 s
